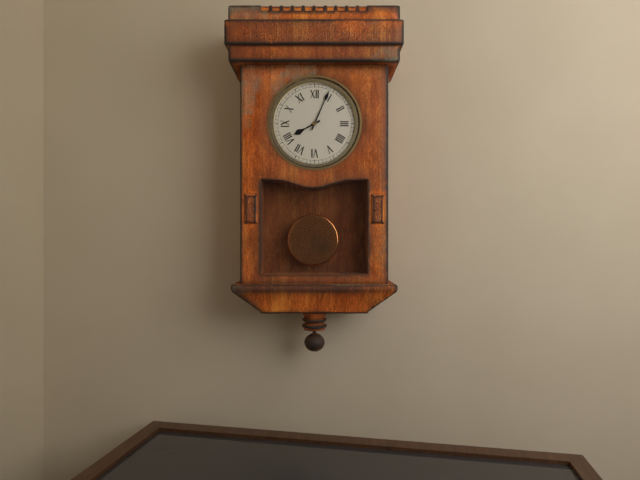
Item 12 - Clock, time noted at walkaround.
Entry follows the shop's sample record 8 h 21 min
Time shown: 8 h 04 min
